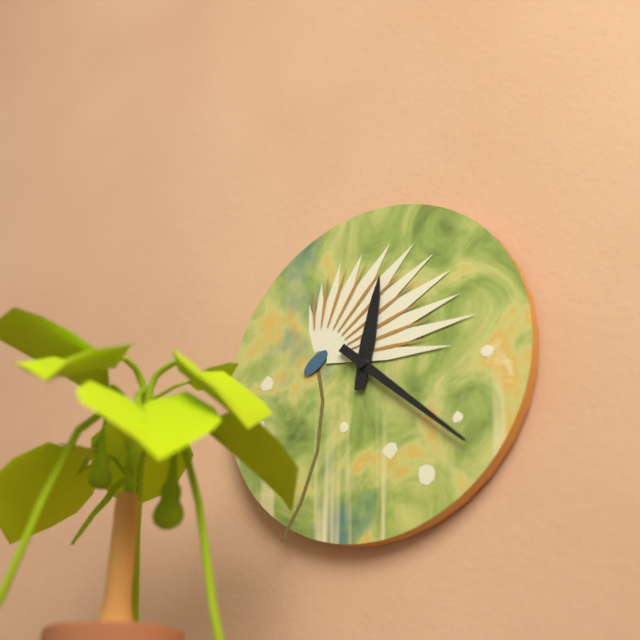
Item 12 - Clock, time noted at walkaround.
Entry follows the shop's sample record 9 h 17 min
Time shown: 12 h 22 min
